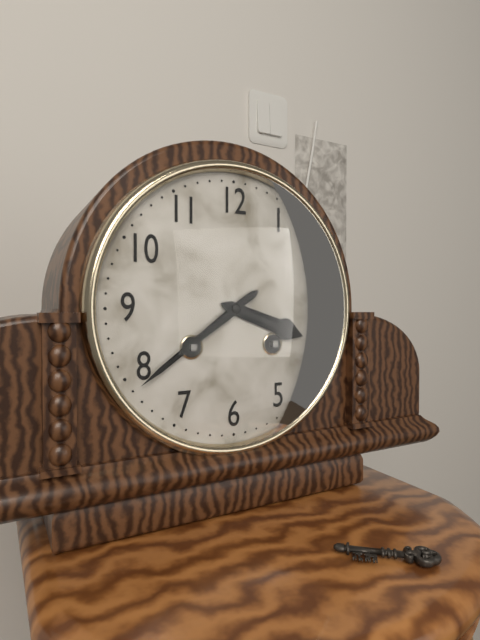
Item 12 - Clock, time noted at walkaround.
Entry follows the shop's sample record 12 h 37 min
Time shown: 3 h 39 min
